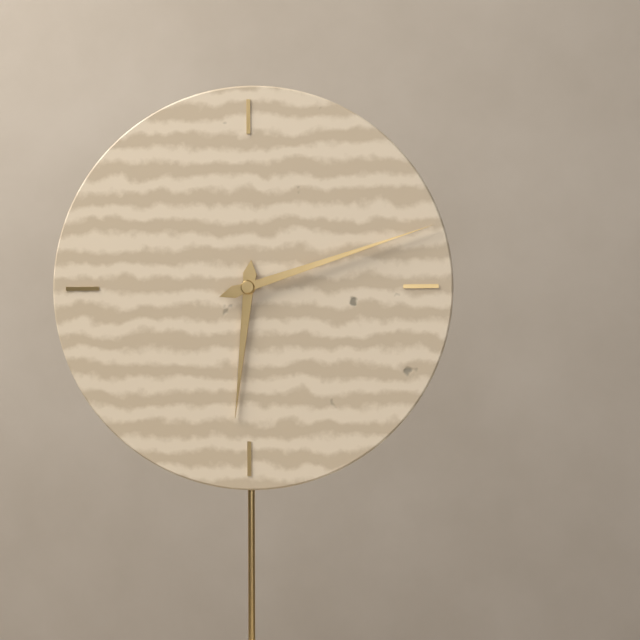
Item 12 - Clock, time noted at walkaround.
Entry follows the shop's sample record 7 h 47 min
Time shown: 6 h 12 min
